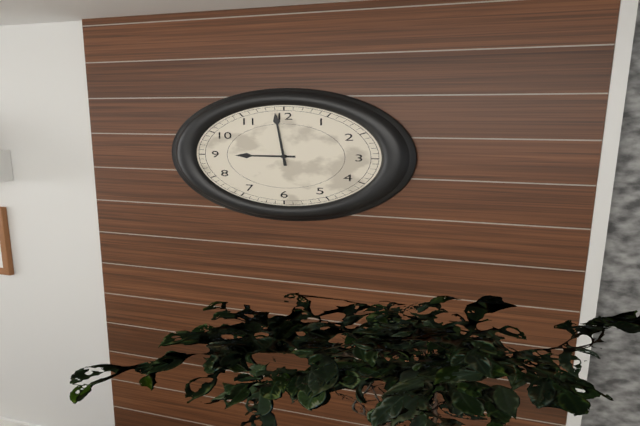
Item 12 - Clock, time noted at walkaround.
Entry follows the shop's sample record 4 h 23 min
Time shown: 8 h 59 min
